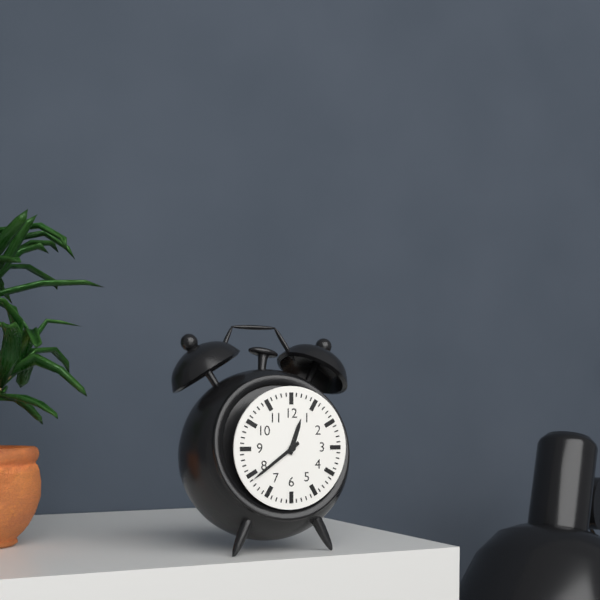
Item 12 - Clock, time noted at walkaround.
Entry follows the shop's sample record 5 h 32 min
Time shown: 12 h 39 min
